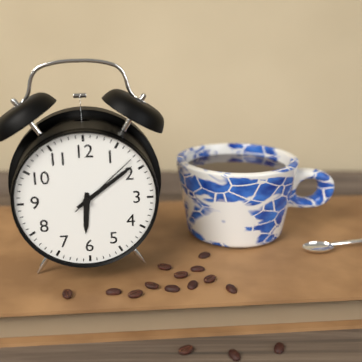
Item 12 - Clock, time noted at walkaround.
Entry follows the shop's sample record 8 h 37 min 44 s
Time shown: 6 h 09 min 08 s
